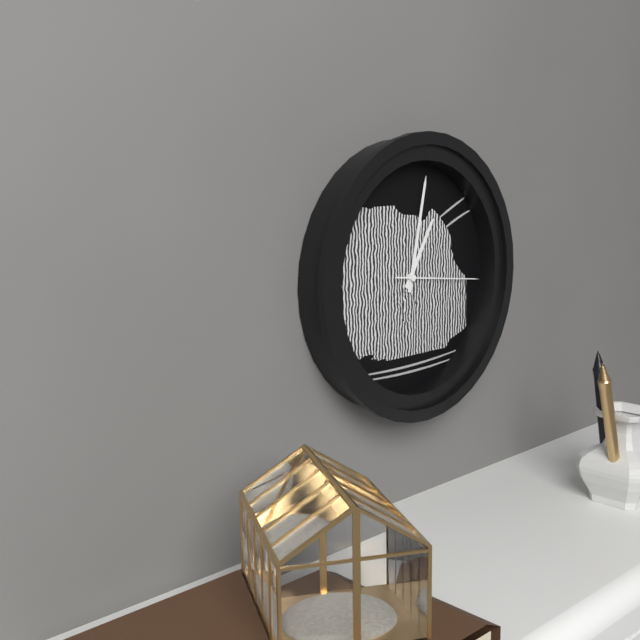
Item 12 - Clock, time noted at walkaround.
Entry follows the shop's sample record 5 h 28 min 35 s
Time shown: 1 h 02 min 16 s
